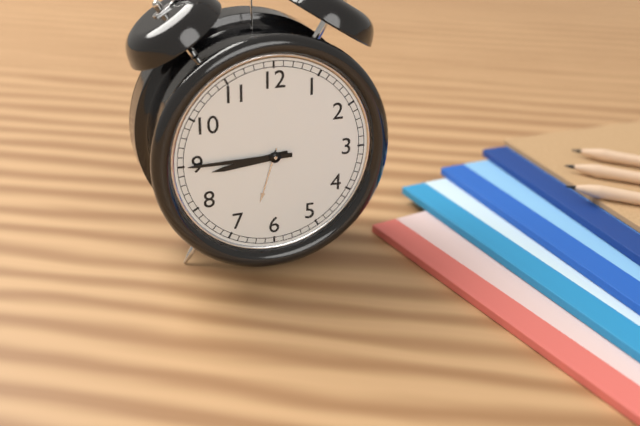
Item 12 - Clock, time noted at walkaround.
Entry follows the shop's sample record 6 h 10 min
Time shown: 8 h 45 min
